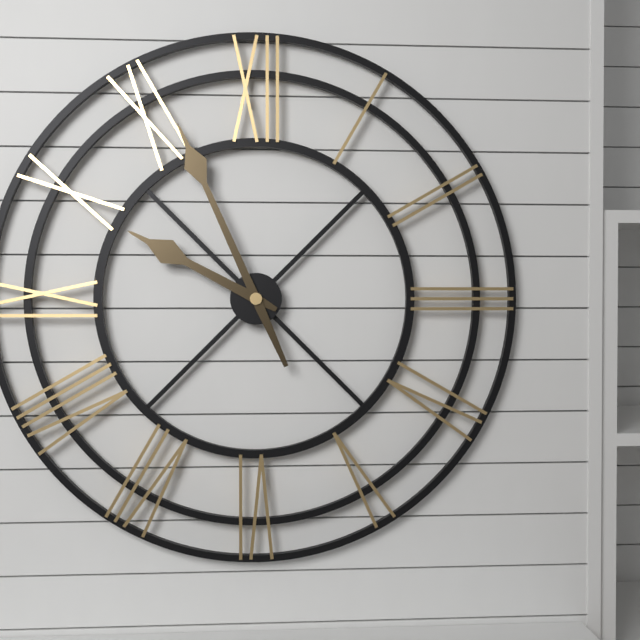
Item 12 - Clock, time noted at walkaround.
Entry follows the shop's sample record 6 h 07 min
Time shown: 9 h 56 min
